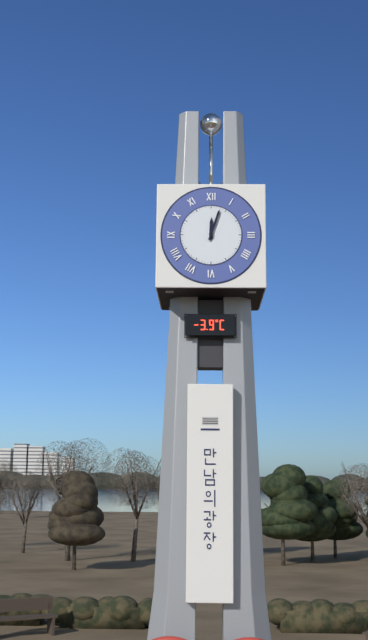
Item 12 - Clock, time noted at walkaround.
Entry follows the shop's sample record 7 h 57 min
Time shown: 12 h 03 min
